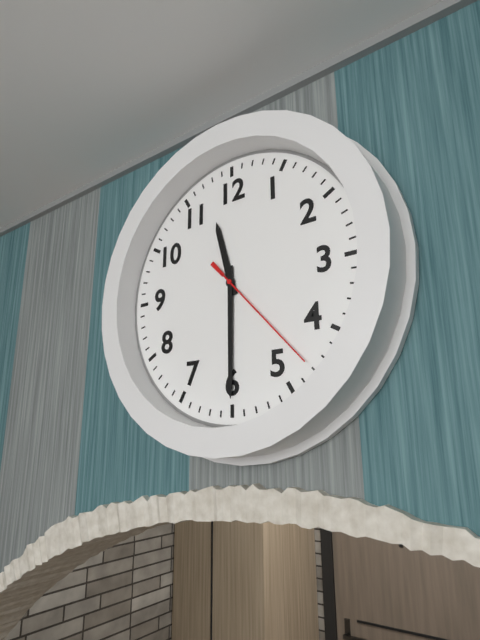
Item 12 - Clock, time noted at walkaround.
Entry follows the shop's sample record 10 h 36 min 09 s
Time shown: 11 h 30 min 23 s
